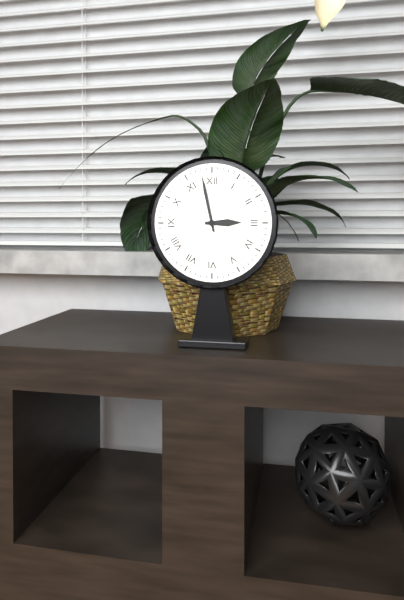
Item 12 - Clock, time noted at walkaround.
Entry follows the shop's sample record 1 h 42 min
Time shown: 2 h 58 min
